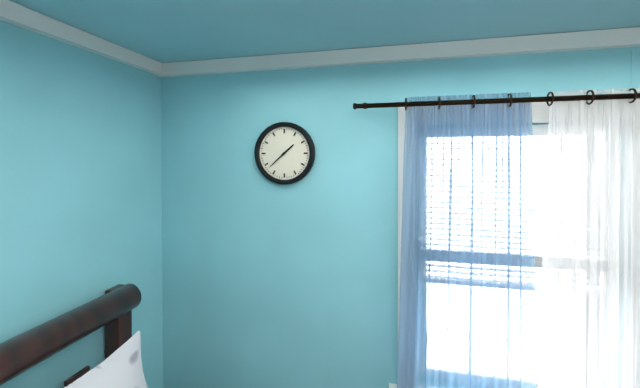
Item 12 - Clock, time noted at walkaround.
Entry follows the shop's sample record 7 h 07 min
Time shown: 1 h 38 min
